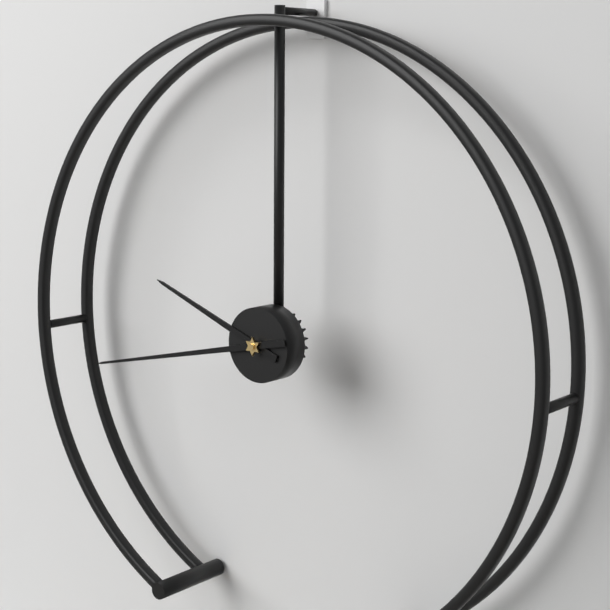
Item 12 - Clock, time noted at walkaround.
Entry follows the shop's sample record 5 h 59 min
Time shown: 9 h 43 min
